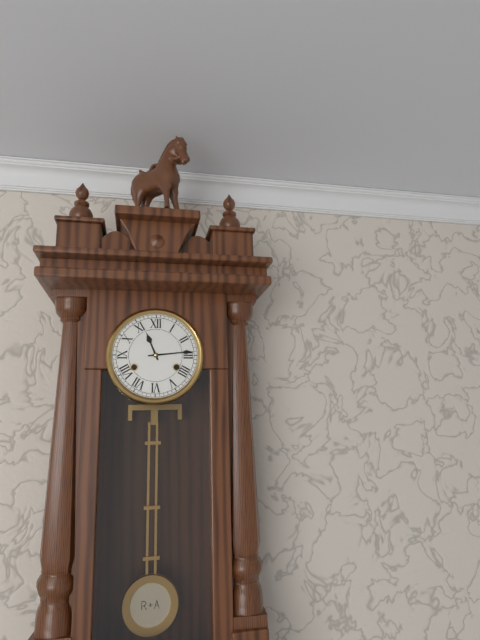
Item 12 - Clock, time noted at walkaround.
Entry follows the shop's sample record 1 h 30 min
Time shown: 11 h 14 min
